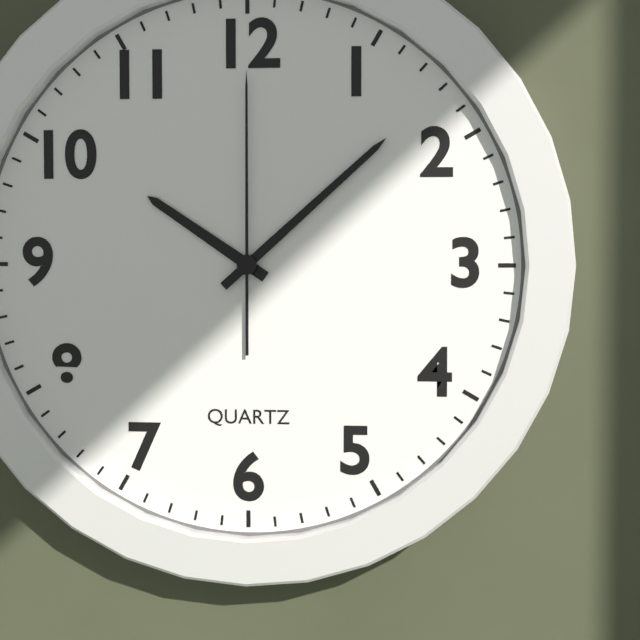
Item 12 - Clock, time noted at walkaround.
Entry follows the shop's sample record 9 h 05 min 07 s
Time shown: 10 h 08 min 00 s
